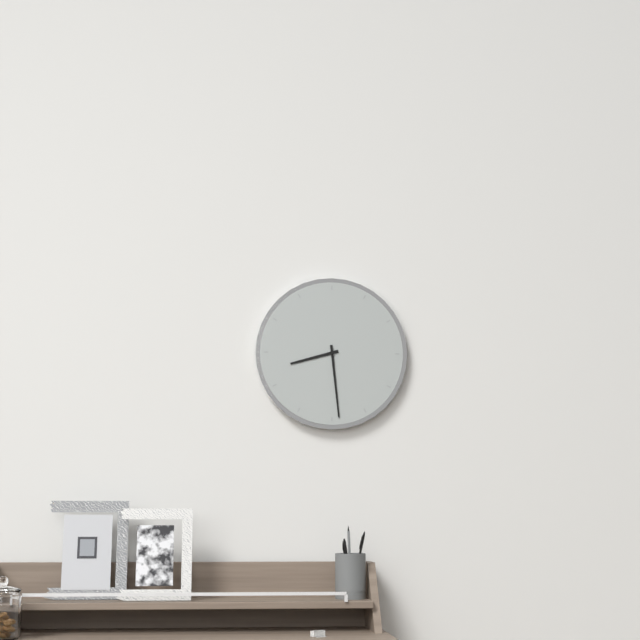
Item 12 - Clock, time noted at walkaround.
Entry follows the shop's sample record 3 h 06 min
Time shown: 8 h 29 min
